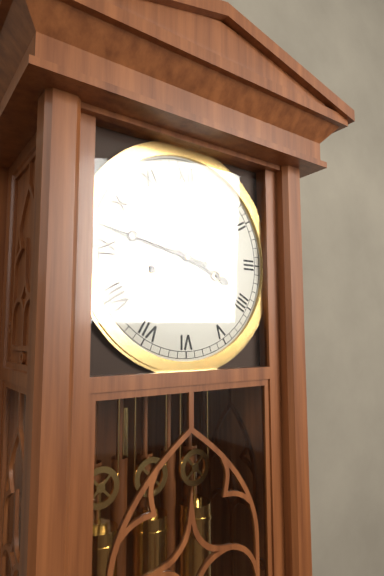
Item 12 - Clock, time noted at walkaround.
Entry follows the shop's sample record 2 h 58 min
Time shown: 3 h 47 min
